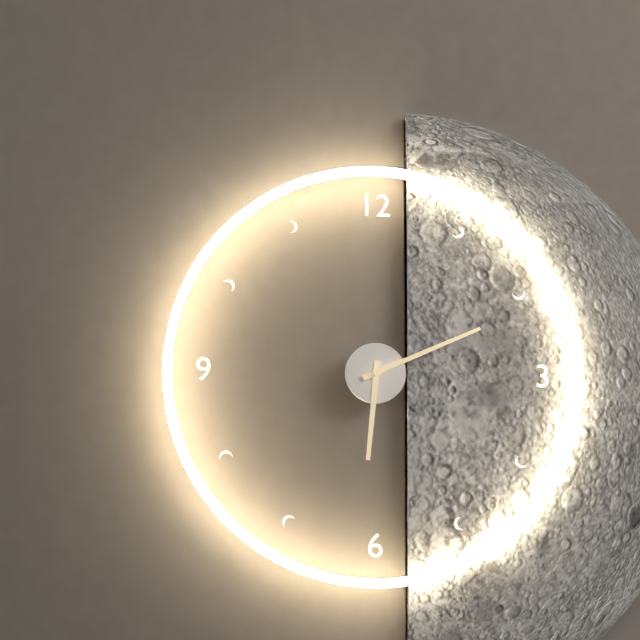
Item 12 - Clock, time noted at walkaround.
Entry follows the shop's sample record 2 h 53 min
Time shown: 6 h 11 min
